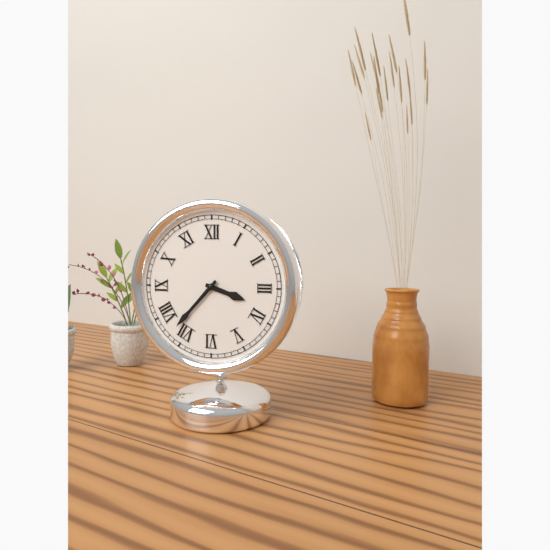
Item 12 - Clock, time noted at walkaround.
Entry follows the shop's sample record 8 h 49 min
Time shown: 3 h 37 min
